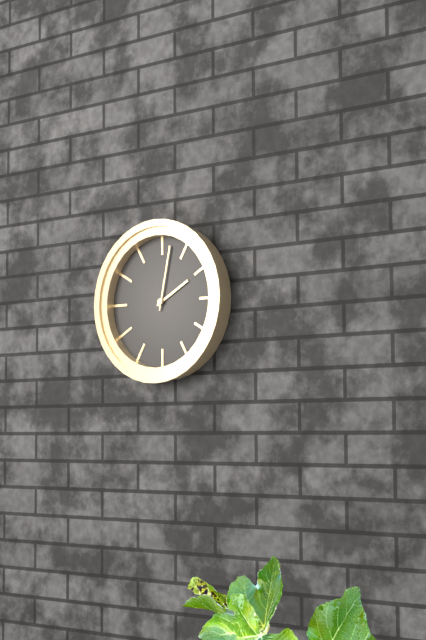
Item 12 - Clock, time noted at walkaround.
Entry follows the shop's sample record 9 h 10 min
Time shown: 2 h 02 min
